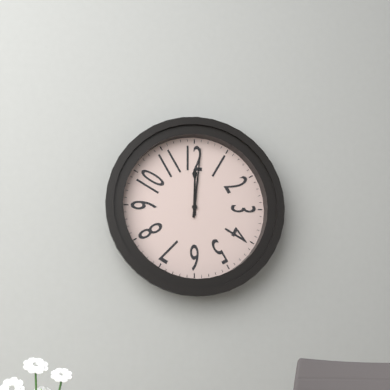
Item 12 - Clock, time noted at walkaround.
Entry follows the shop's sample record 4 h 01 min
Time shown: 12 h 01 min
